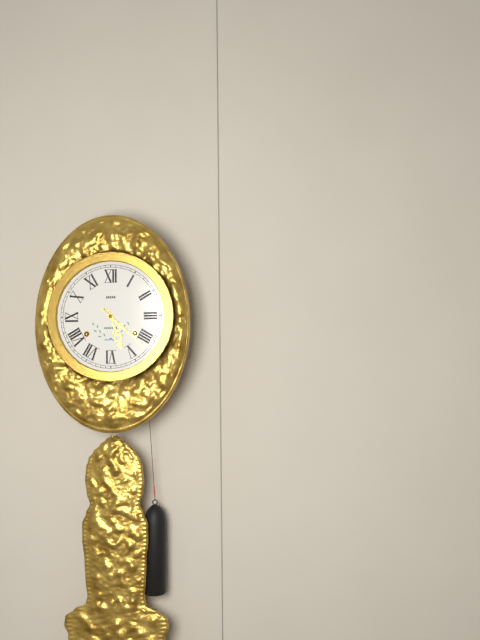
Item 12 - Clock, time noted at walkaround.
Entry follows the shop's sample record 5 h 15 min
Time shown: 5 h 22 min
